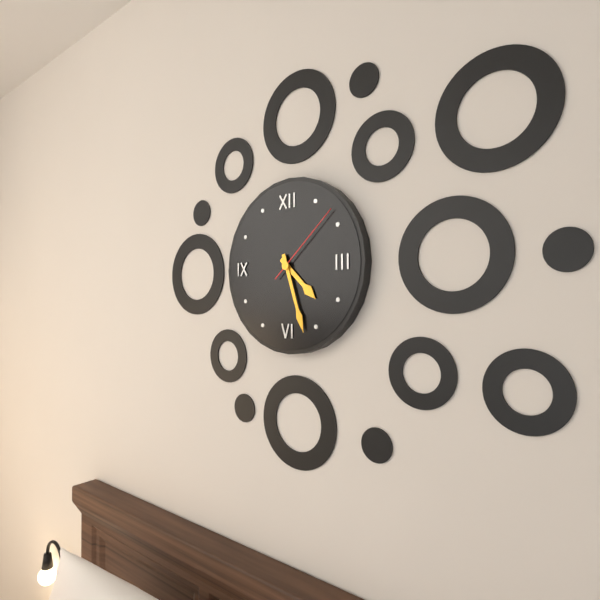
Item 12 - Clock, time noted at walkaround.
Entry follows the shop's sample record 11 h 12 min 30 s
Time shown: 4 h 27 min 08 s
